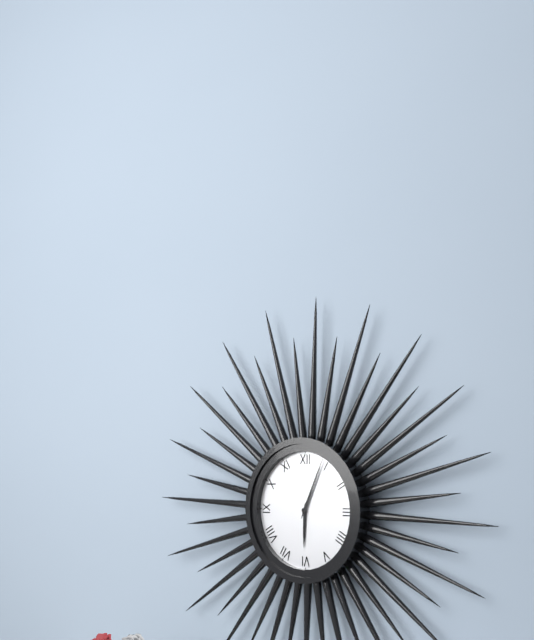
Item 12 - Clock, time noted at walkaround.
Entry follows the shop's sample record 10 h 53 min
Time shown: 6 h 04 min
